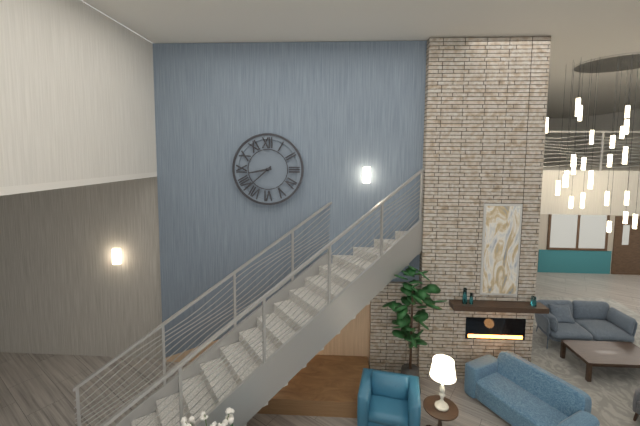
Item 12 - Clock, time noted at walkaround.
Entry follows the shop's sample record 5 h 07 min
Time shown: 8 h 38 min
